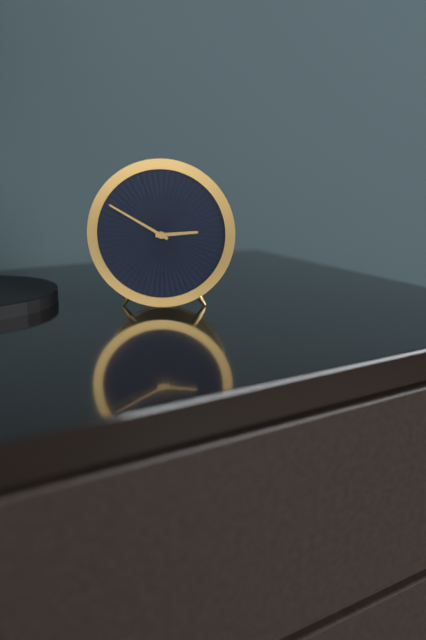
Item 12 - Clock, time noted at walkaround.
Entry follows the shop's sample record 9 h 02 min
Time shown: 2 h 50 min
